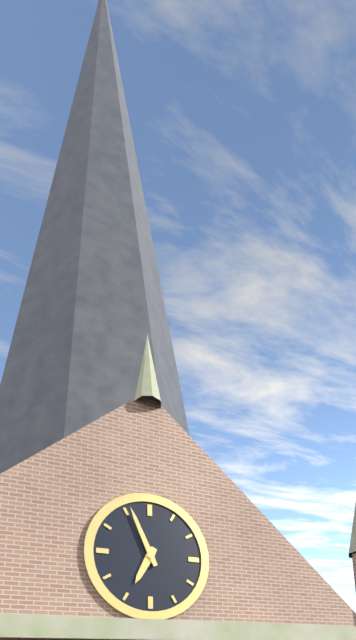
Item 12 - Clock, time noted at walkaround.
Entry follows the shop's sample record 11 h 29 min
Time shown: 6 h 56 min
